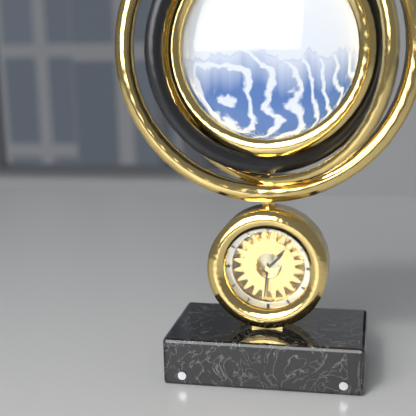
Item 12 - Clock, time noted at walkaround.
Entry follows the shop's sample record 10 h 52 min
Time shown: 1 h 31 min
